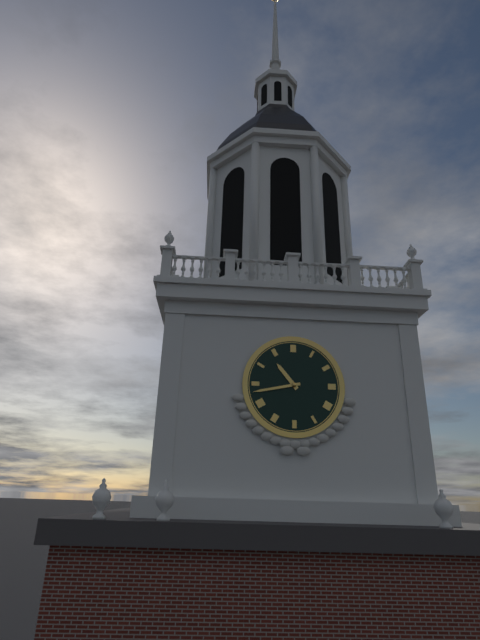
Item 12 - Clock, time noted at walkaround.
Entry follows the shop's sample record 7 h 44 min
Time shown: 10 h 43 min
